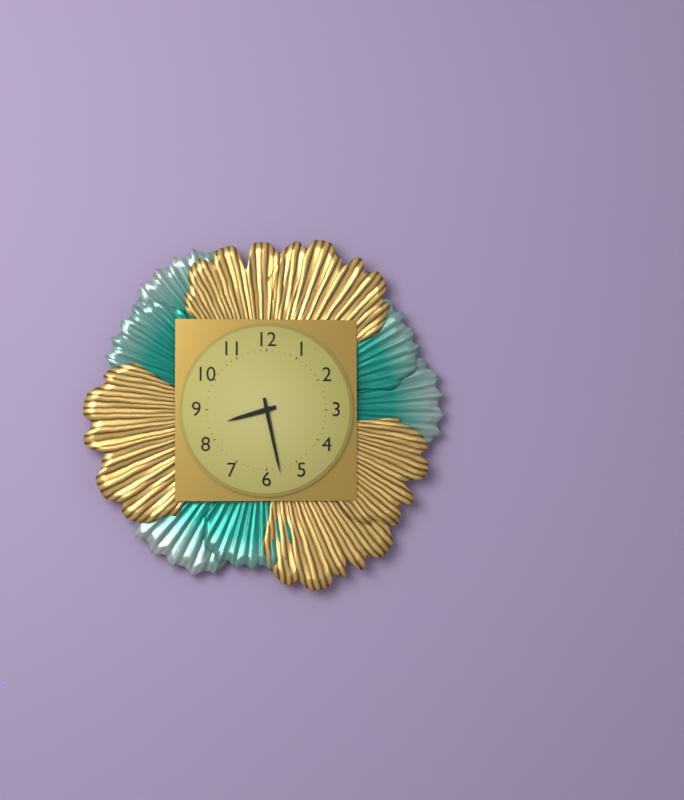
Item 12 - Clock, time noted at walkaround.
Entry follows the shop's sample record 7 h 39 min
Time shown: 8 h 28 min
